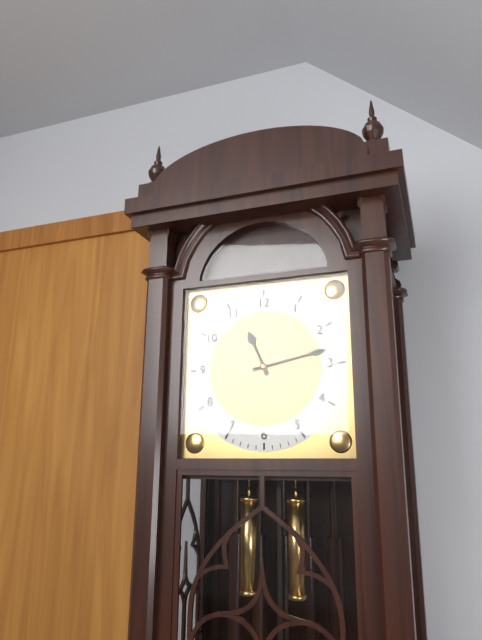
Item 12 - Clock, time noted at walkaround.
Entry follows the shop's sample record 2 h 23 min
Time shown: 11 h 13 min
